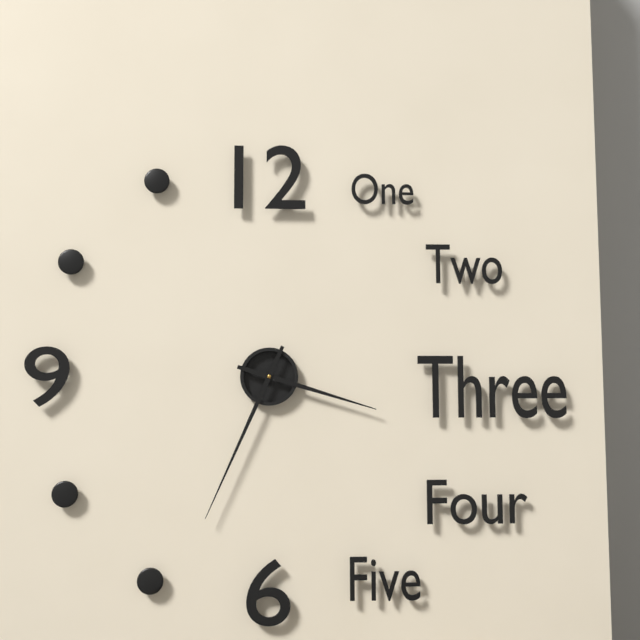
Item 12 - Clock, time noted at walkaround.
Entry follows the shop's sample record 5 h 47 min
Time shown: 3 h 34 min
